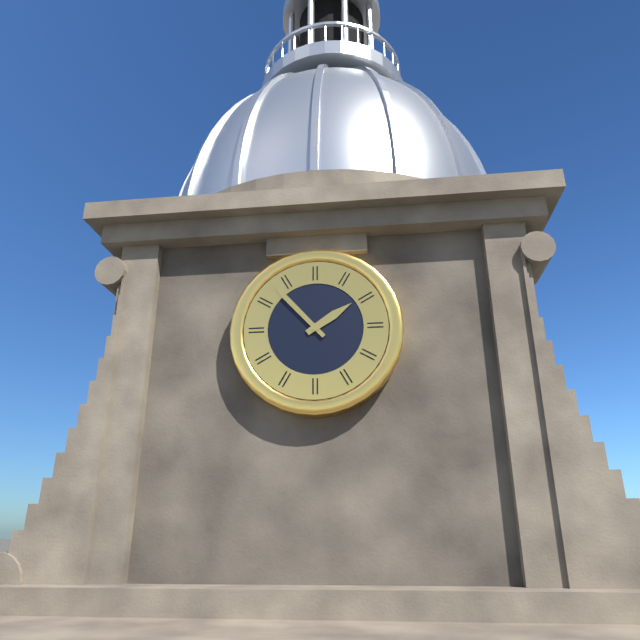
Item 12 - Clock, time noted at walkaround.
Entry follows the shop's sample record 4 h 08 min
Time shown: 1 h 53 min
